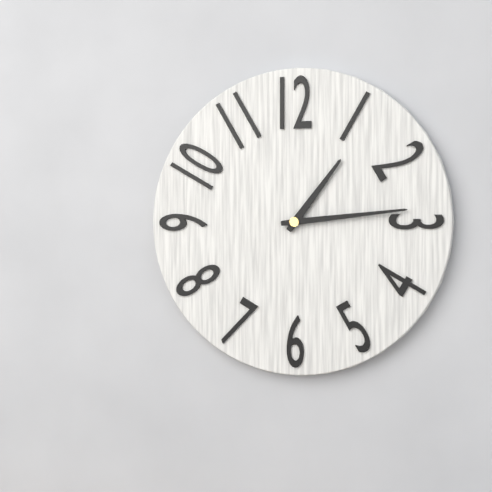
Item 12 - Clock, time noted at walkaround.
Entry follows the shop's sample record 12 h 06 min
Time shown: 1 h 14 min
